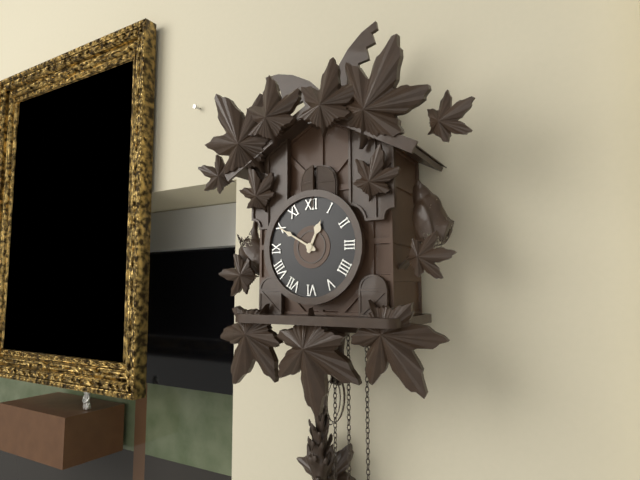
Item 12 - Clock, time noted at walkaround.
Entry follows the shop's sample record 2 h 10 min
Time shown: 12 h 50 min
